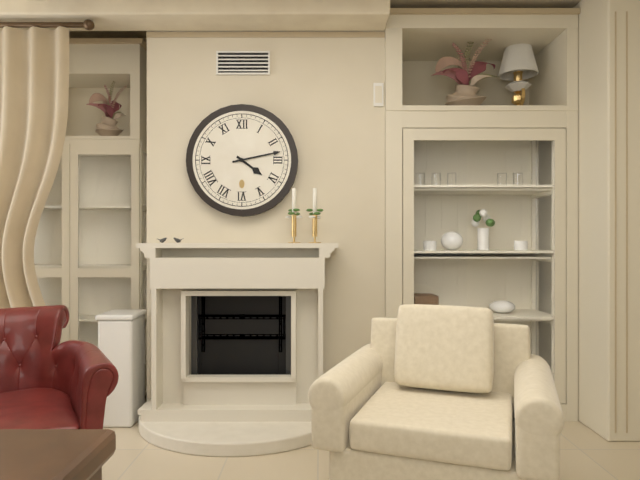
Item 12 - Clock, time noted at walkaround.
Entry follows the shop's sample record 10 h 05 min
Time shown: 4 h 13 min
